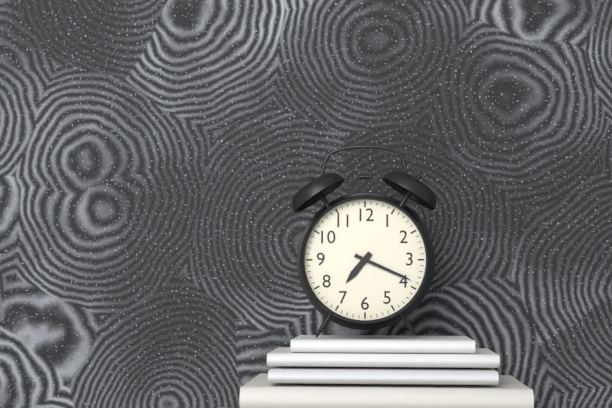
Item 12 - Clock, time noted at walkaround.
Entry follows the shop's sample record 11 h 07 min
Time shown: 7 h 19 min
